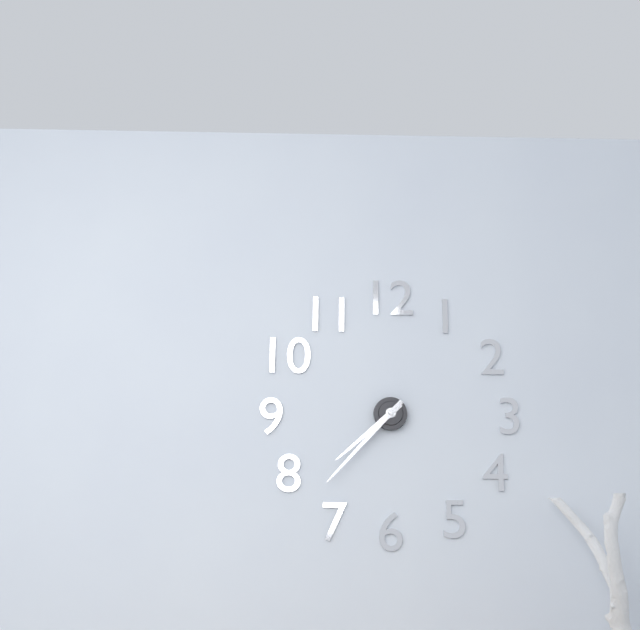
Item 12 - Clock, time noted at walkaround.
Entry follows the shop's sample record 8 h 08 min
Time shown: 7 h 37 min
